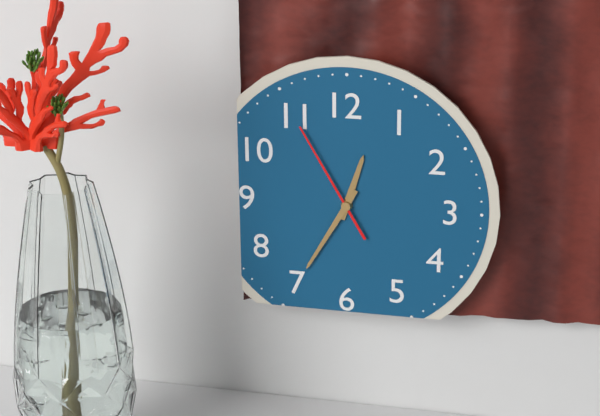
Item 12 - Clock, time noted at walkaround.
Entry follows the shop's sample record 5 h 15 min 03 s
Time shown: 12 h 35 min 55 s
